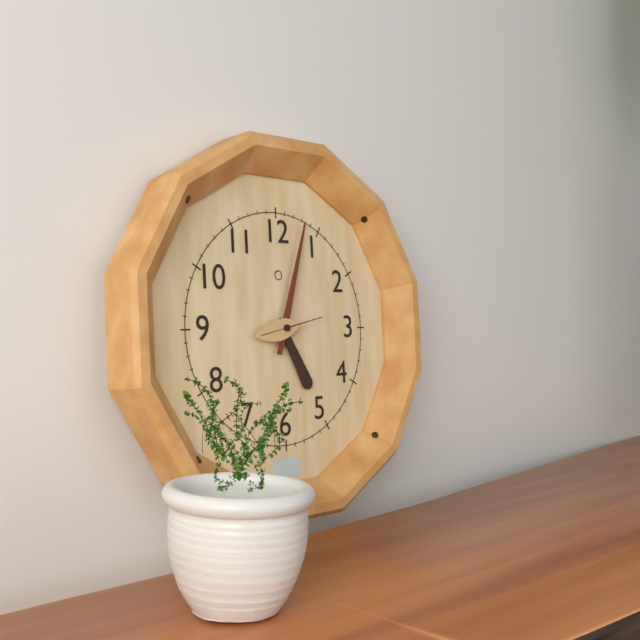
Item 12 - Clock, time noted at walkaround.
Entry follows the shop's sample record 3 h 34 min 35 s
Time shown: 5 h 03 min 13 s
